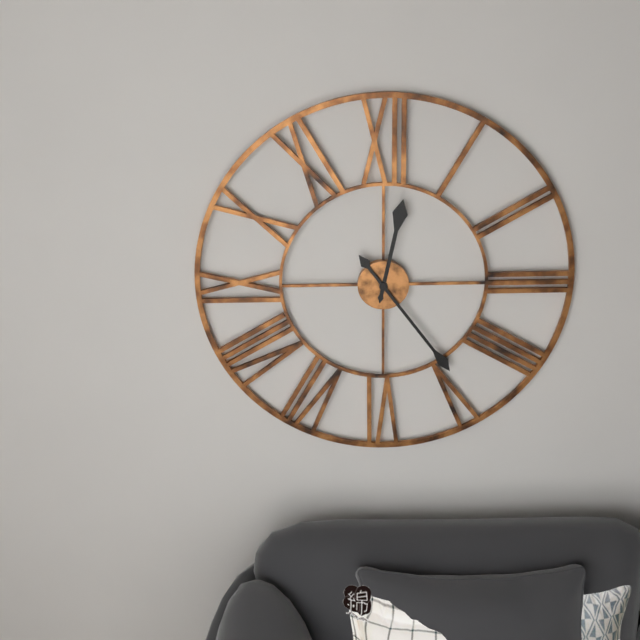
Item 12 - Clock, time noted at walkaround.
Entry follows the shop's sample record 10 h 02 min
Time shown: 12 h 24 min
